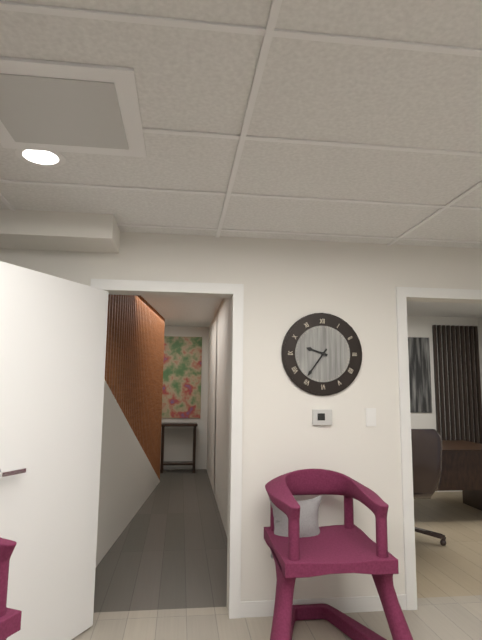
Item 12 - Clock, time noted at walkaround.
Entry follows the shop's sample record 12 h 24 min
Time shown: 9 h 36 min
